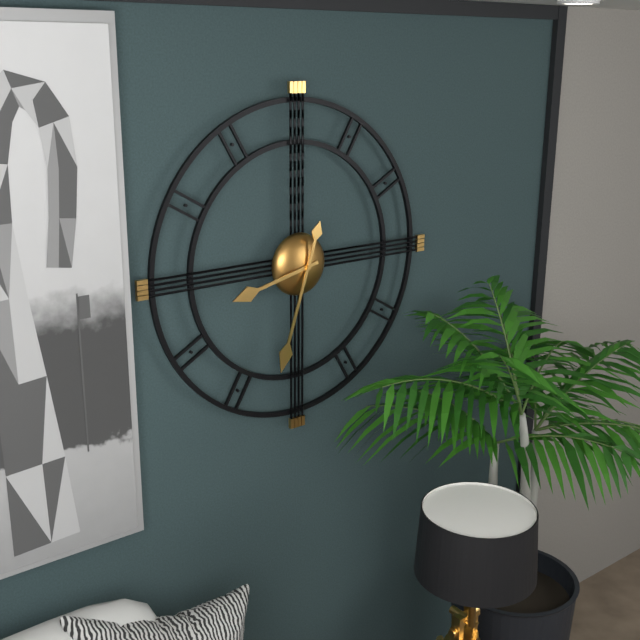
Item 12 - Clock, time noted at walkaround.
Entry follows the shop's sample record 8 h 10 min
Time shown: 8 h 33 min
